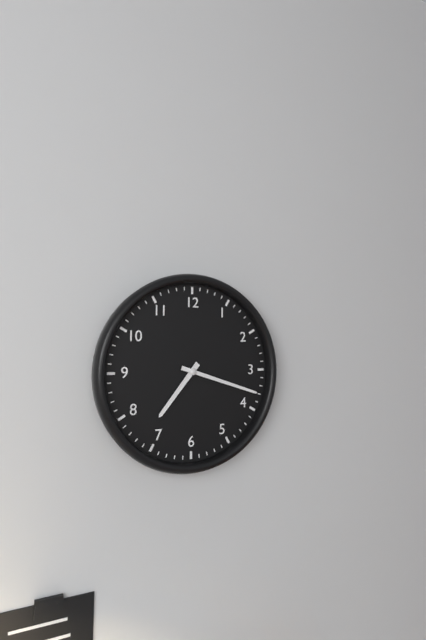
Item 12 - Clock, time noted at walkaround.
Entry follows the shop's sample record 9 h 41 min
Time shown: 7 h 18 min
